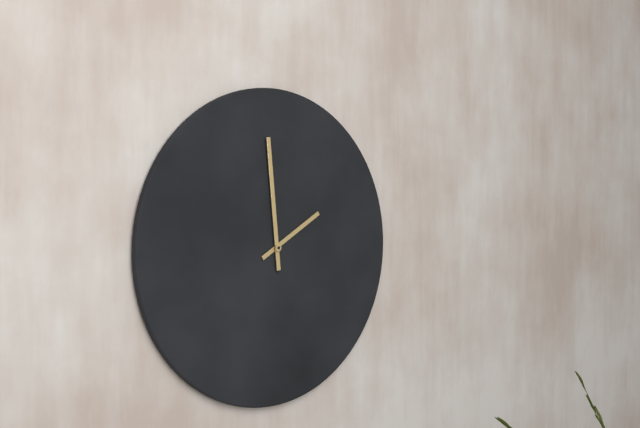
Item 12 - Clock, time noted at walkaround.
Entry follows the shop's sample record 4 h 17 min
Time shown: 1 h 59 min
